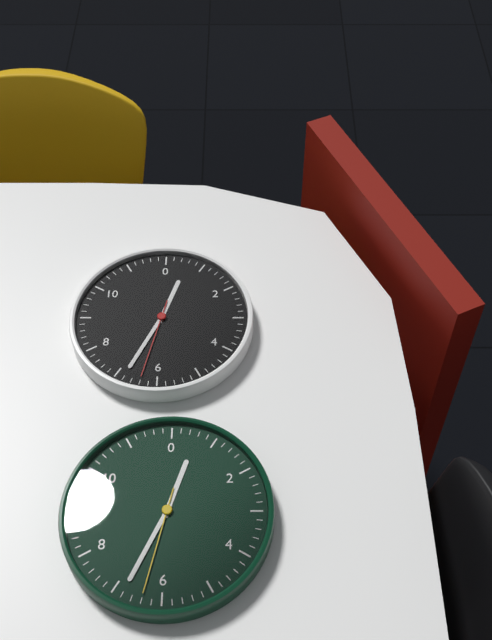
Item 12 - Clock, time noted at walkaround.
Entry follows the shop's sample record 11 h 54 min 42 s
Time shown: 12 h 34 min 32 s
